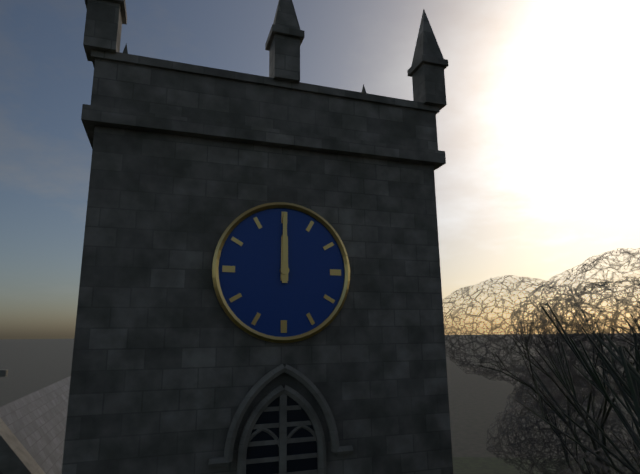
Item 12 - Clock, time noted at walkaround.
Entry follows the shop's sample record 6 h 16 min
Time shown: 12 h 00 min
